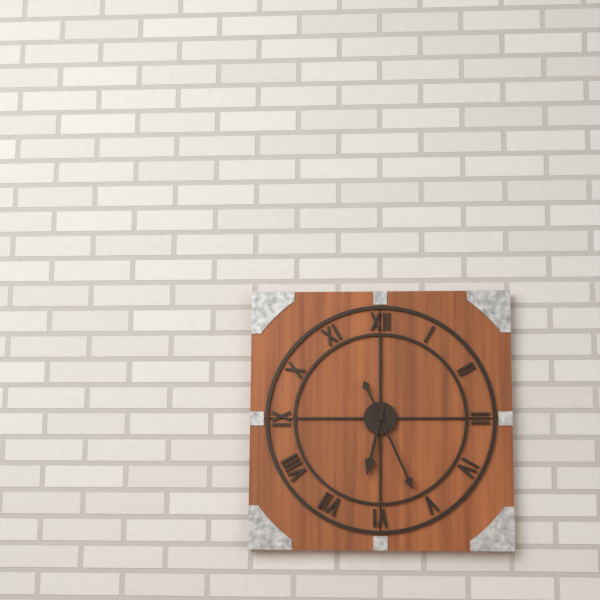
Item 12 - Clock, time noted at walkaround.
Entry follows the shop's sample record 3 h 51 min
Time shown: 6 h 26 min
